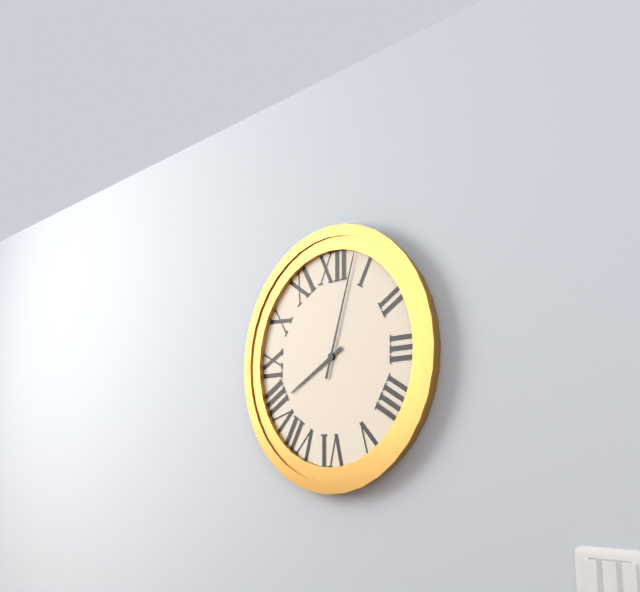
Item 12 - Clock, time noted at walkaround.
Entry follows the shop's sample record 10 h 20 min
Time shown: 8 h 03 min
